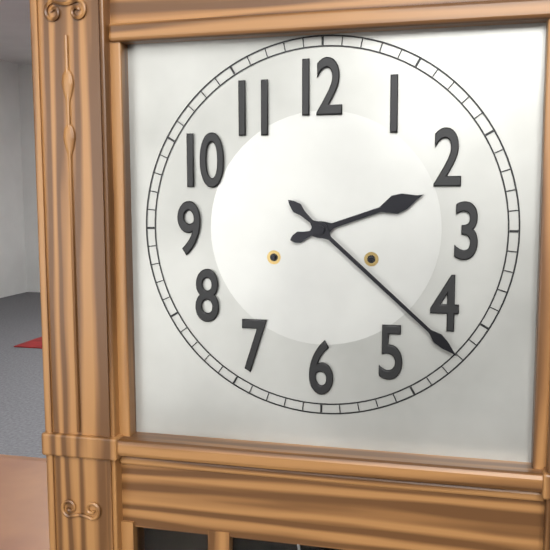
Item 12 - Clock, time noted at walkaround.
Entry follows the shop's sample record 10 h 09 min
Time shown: 2 h 22 min
